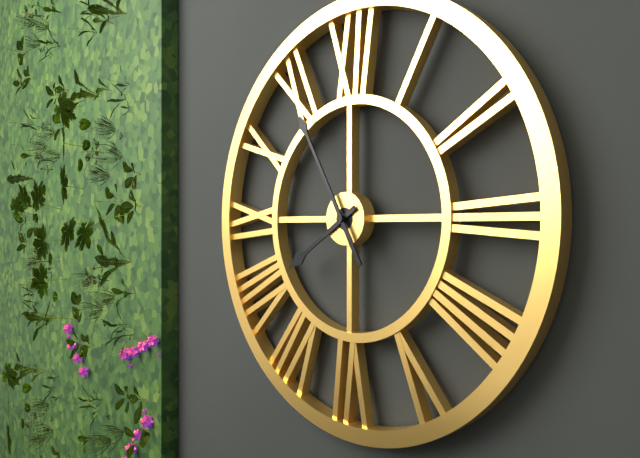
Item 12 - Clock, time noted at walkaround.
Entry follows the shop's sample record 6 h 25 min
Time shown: 7 h 55 min
